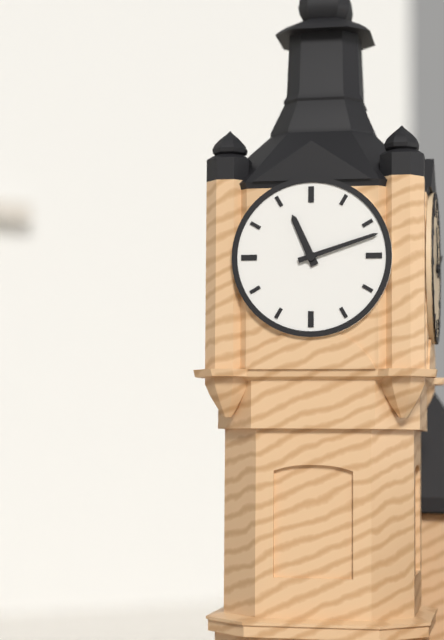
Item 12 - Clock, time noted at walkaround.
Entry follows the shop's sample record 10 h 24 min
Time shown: 11 h 12 min
